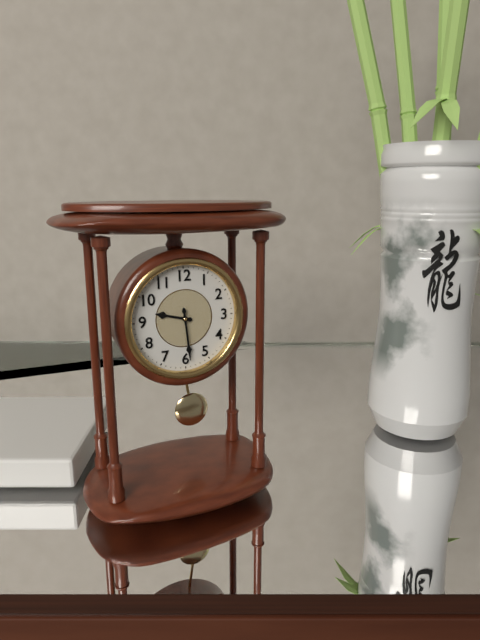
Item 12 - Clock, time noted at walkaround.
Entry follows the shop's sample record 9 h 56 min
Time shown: 9 h 29 min
